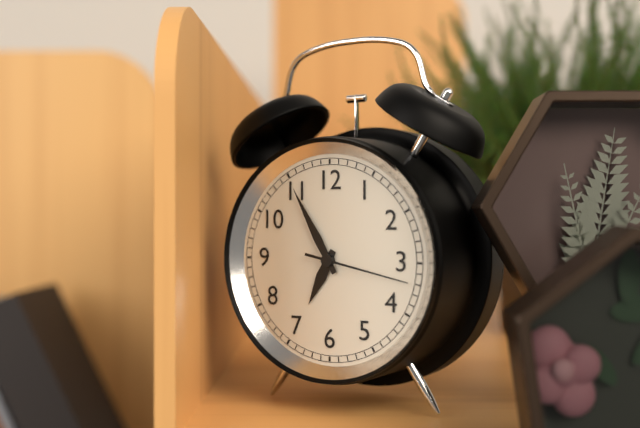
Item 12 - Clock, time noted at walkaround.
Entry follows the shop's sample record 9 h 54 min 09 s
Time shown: 6 h 55 min 17 s
